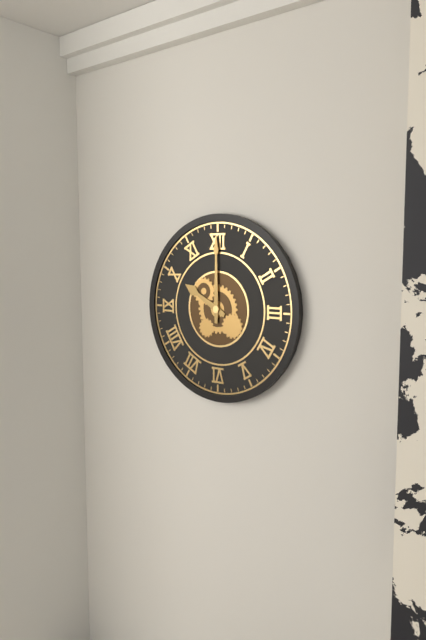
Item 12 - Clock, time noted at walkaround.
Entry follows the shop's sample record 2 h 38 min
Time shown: 10 h 00 min
